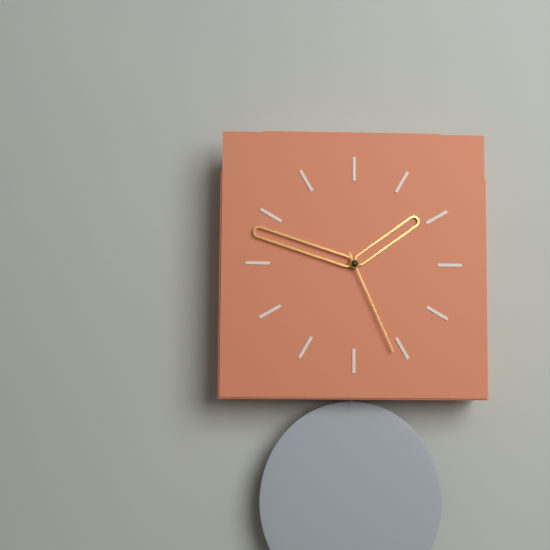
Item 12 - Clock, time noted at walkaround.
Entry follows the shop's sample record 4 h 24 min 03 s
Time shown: 1 h 48 min 26 s
